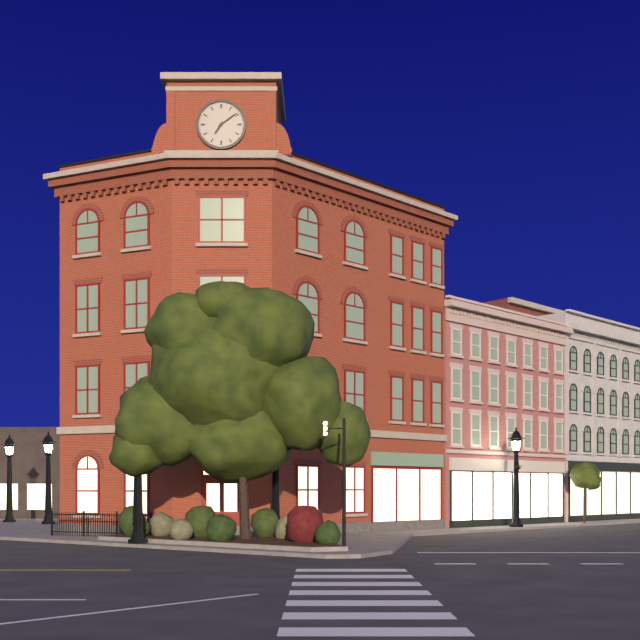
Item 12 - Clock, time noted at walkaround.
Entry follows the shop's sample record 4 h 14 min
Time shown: 7 h 09 min
